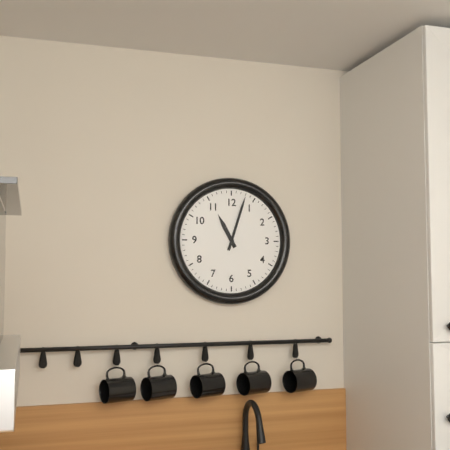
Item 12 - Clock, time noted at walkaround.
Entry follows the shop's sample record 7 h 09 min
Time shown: 11 h 03 min
